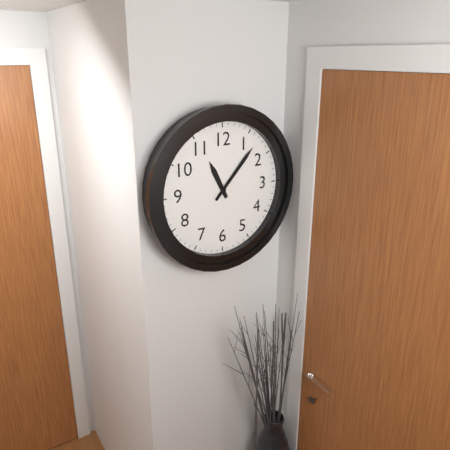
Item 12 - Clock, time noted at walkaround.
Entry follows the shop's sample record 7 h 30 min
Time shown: 11 h 07 min
